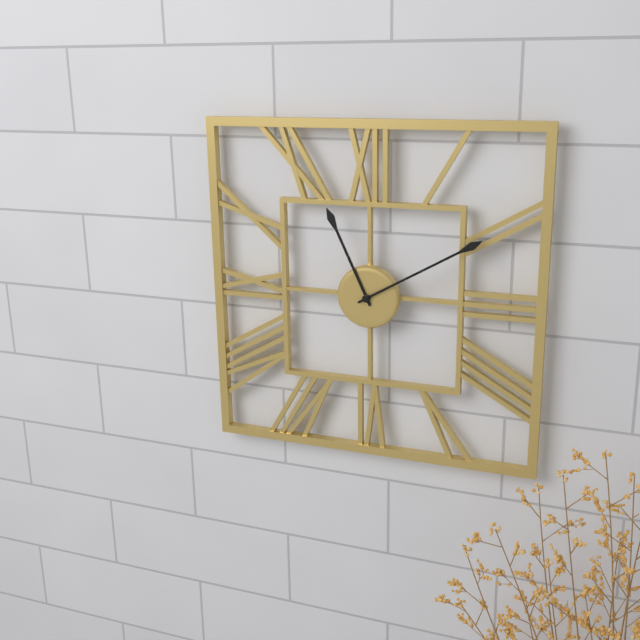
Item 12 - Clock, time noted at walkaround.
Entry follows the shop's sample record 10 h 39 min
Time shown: 11 h 10 min
